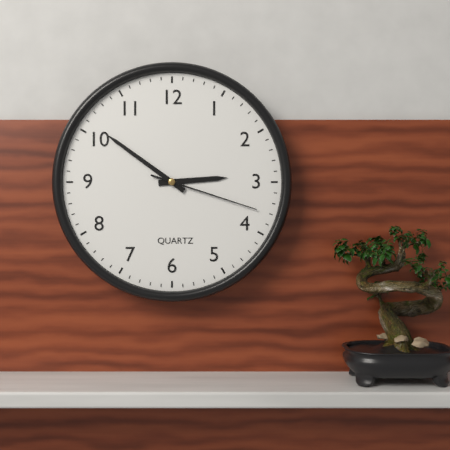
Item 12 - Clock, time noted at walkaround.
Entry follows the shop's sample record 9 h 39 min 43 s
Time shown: 2 h 51 min 18 s
